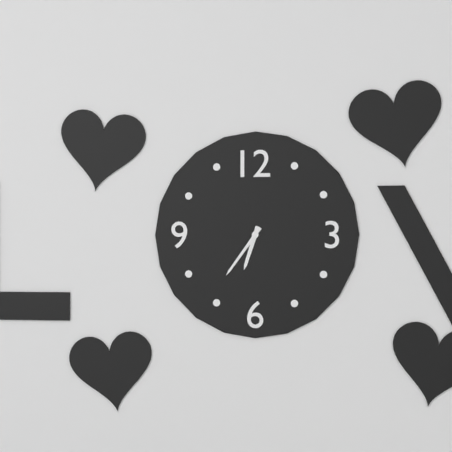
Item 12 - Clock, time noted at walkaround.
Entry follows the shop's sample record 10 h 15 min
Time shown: 6 h 36 min
